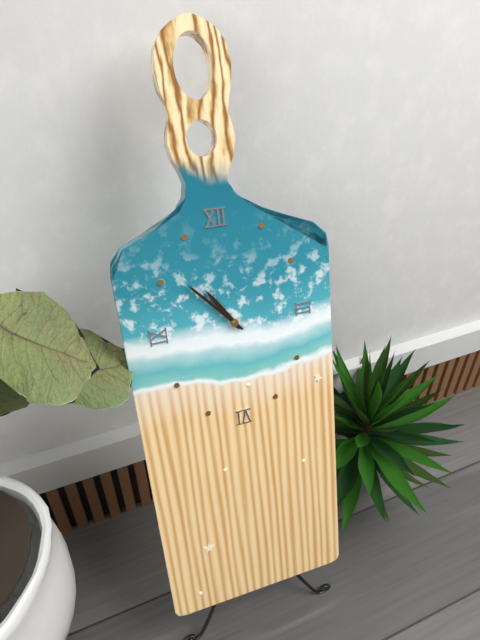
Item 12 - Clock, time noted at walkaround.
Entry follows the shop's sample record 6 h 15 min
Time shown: 10 h 53 min
